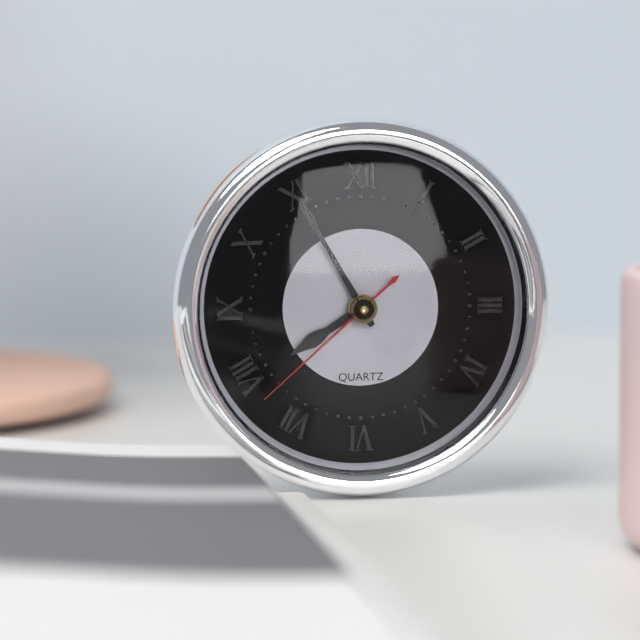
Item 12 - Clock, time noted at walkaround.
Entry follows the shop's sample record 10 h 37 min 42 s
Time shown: 7 h 55 min 38 s
